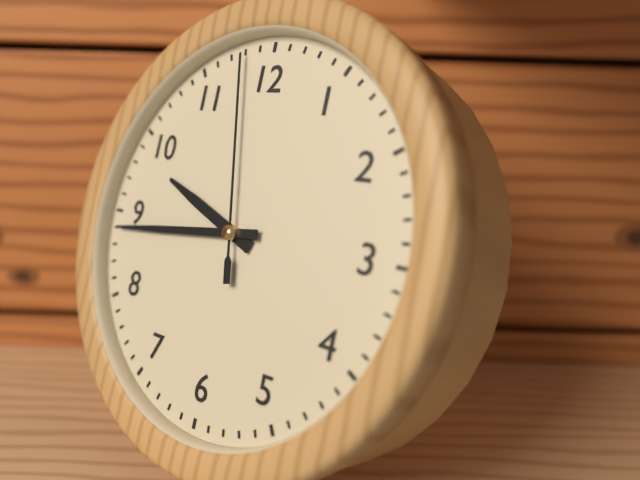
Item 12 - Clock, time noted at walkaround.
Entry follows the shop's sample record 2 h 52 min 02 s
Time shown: 9 h 44 min 58 s
